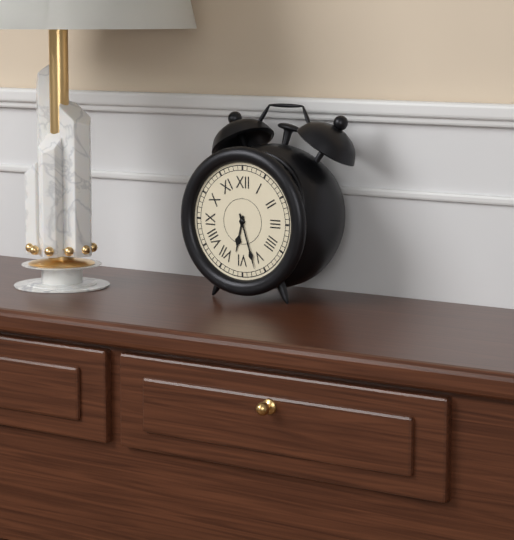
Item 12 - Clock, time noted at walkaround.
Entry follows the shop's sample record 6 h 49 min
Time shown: 6 h 27 min
